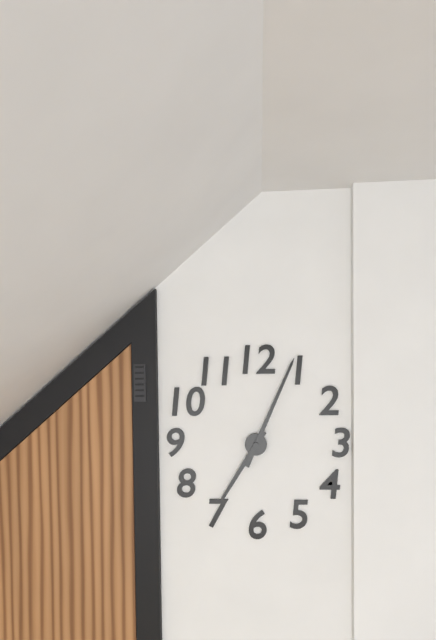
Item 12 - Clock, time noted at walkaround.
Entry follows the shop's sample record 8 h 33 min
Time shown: 7 h 04 min
